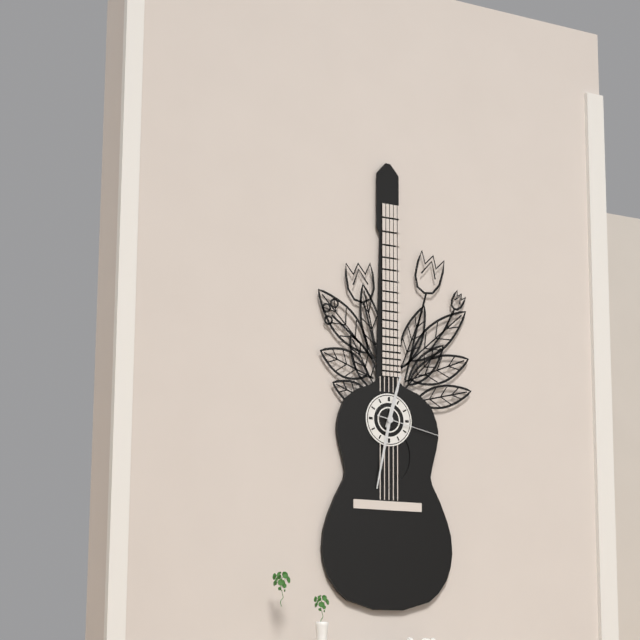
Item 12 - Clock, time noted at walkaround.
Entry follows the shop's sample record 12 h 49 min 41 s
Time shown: 12 h 32 min 17 s
